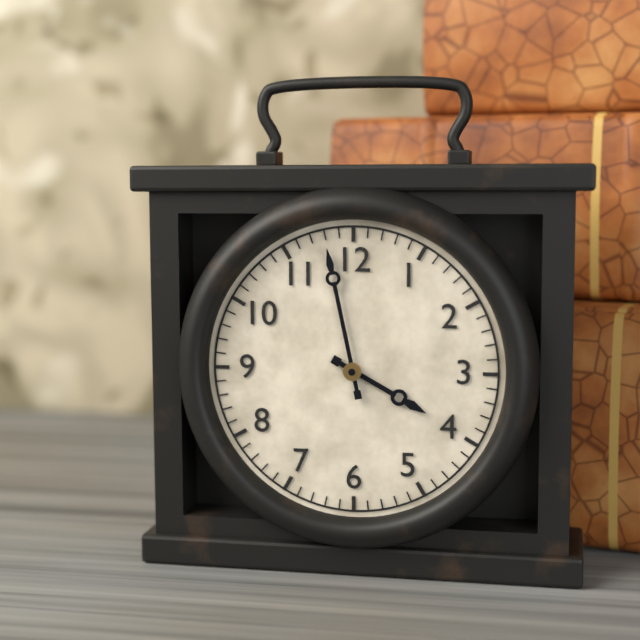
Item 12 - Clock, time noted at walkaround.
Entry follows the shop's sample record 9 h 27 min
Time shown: 3 h 58 min
